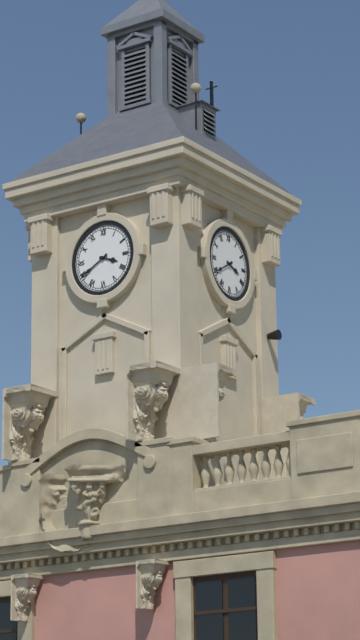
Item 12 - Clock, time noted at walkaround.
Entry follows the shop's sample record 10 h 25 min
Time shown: 3 h 40 min
